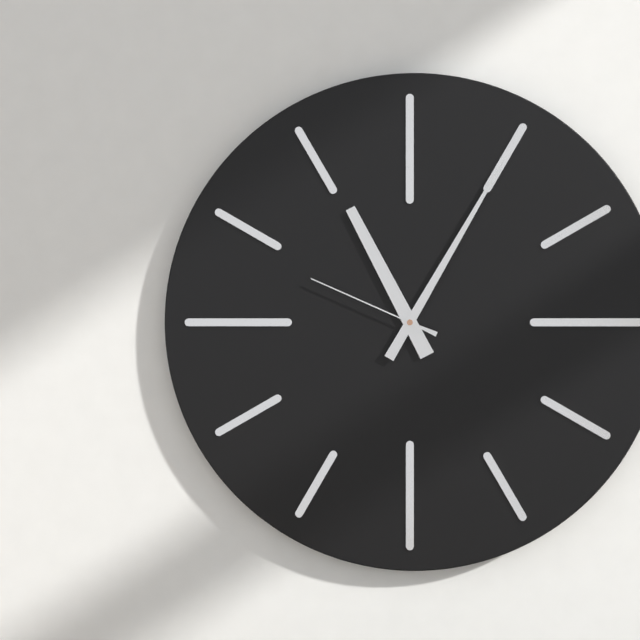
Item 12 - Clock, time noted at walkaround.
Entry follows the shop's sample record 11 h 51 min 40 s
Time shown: 11 h 05 min 49 s
